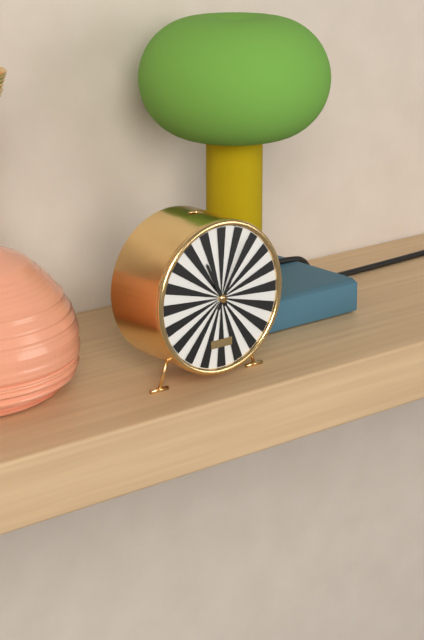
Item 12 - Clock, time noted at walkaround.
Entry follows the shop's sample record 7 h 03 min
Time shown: 11 h 05 min
